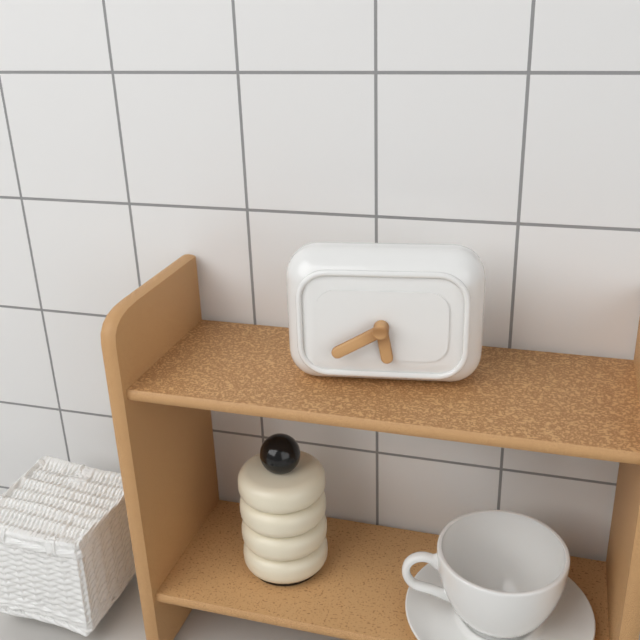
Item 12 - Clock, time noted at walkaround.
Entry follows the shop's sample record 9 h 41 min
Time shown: 5 h 40 min
